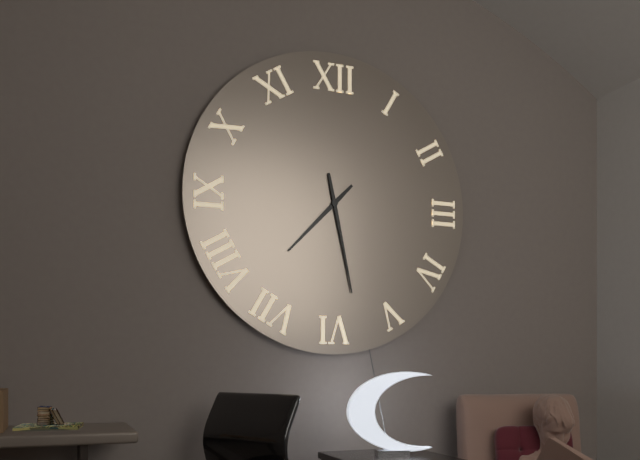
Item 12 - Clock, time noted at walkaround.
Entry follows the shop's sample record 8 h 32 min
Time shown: 7 h 28 min
